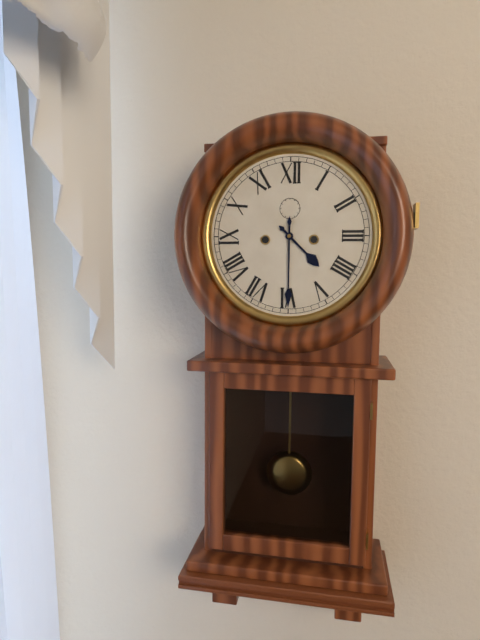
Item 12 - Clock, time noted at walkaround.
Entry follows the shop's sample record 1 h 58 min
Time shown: 4 h 30 min
